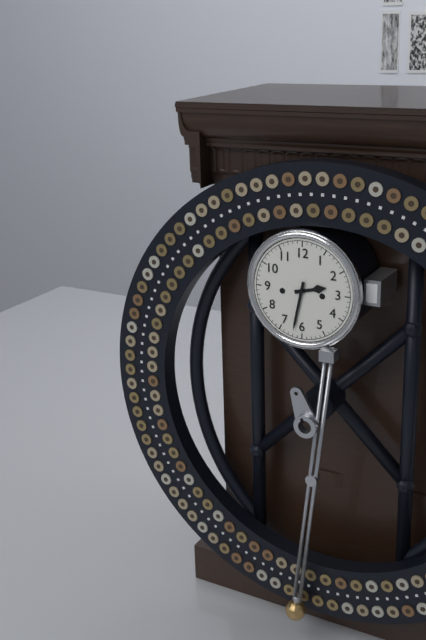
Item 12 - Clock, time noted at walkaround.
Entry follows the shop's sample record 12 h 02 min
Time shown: 2 h 32 min
